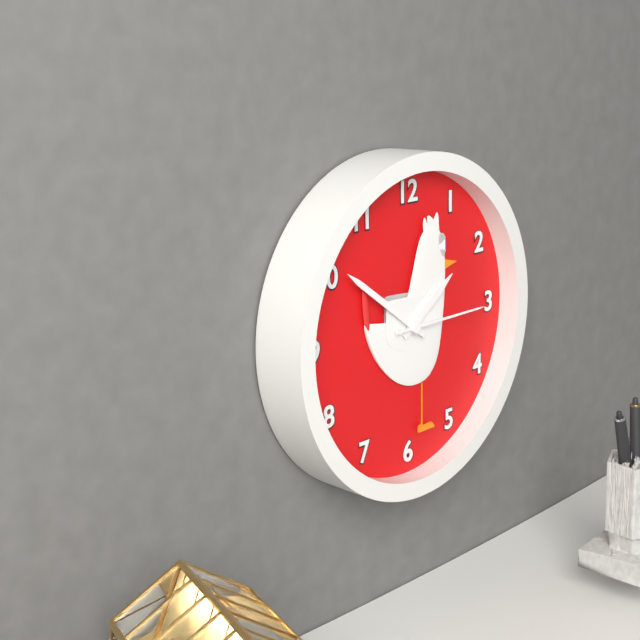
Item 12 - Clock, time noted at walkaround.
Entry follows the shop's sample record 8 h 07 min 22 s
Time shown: 1 h 51 min 15 s
